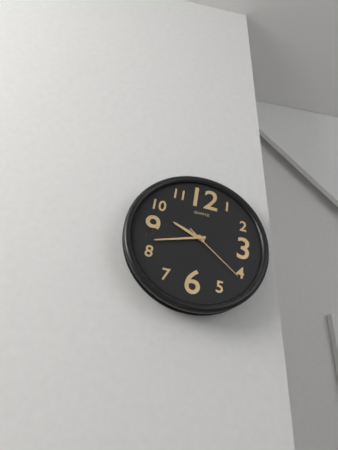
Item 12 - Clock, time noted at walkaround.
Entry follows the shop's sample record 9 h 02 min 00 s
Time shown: 9 h 42 min 21 s
